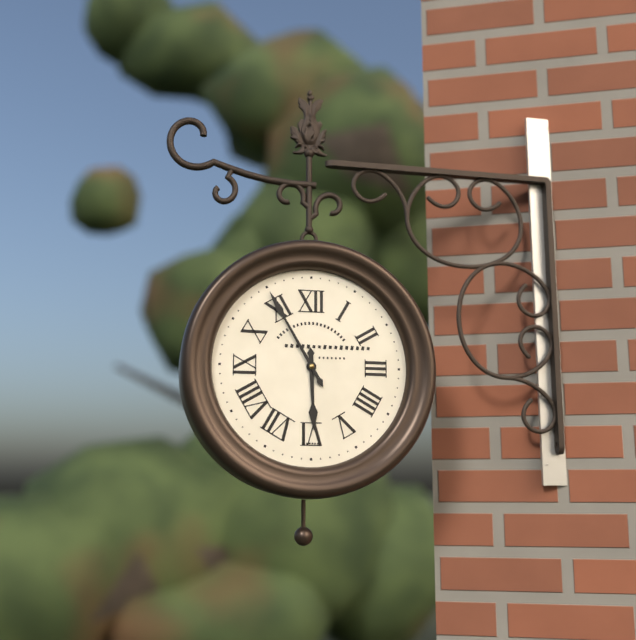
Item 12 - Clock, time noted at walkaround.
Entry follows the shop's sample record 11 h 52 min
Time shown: 5 h 55 min
